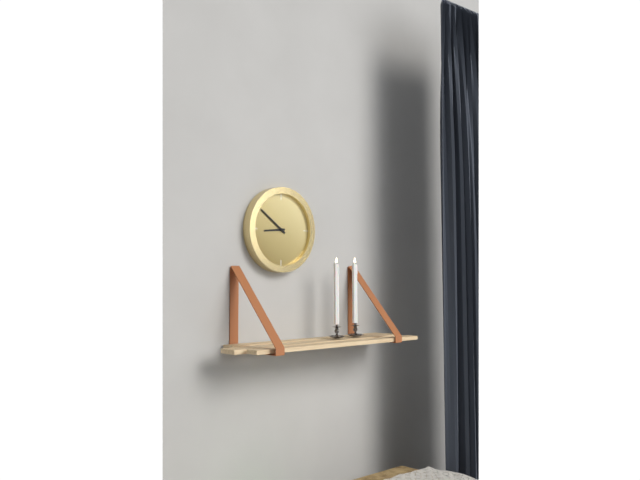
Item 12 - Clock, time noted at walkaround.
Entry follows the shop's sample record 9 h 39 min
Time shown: 8 h 51 min
